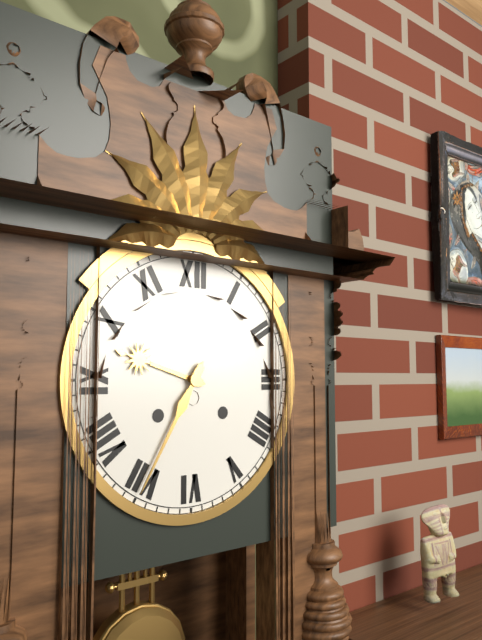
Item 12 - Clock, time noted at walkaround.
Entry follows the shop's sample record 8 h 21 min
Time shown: 9 h 35 min
